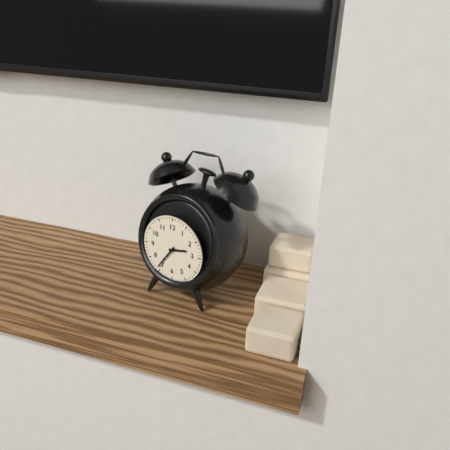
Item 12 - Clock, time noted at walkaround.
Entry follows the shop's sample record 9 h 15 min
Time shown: 2 h 36 min
